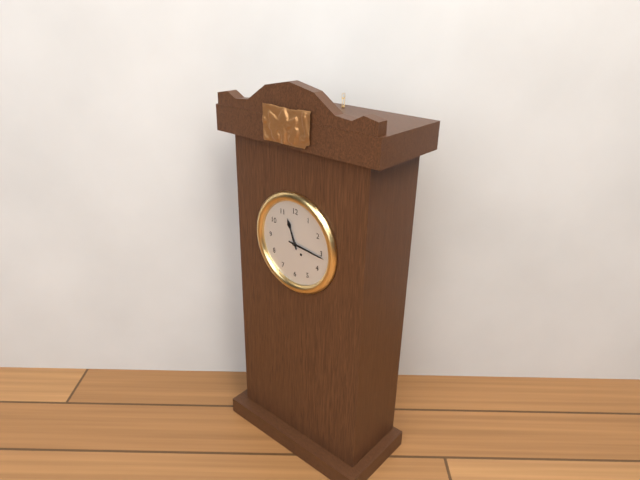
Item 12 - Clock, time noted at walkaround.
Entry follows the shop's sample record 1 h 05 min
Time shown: 11 h 16 min
